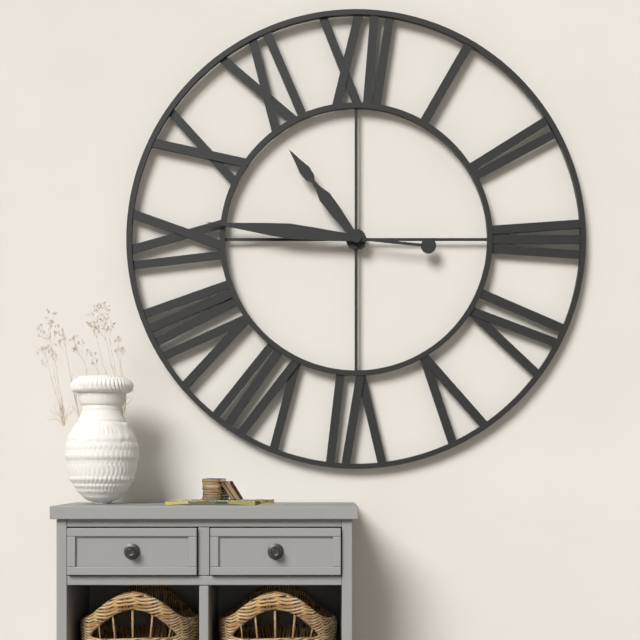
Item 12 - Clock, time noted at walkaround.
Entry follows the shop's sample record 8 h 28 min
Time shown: 10 h 46 min
